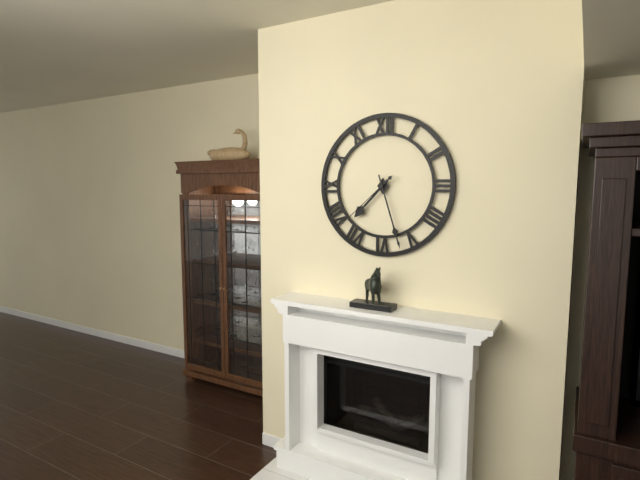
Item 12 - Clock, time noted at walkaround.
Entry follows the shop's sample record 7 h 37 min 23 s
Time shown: 7 h 27 min 38 s
